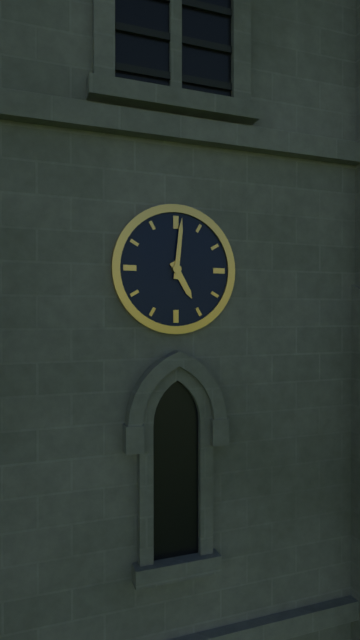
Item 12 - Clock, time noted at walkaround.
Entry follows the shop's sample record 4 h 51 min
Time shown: 5 h 01 min
